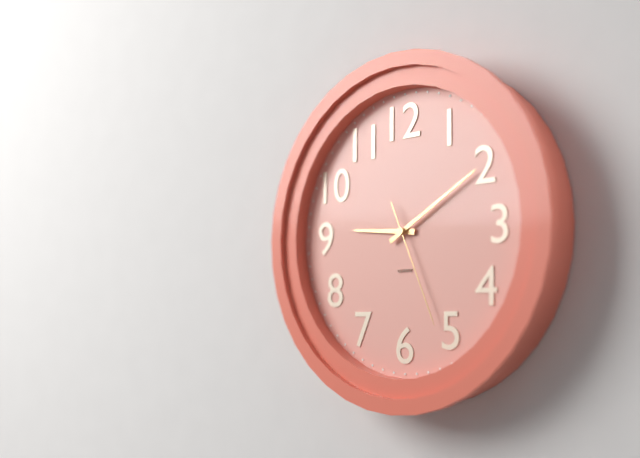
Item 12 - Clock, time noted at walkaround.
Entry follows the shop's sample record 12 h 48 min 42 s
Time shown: 9 h 10 min 26 s
